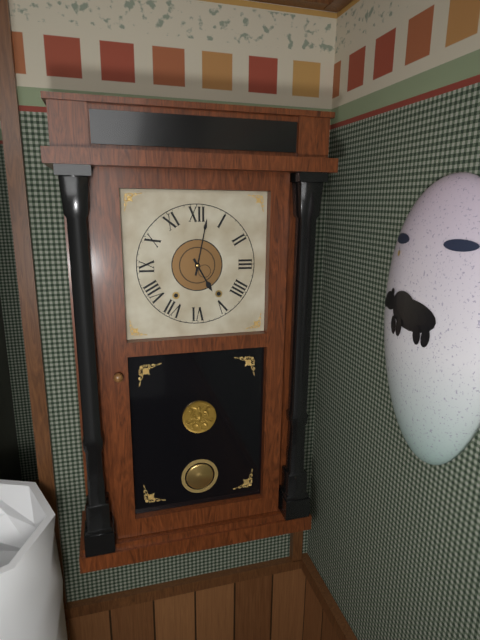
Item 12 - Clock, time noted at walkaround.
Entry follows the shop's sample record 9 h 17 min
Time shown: 5 h 02 min
